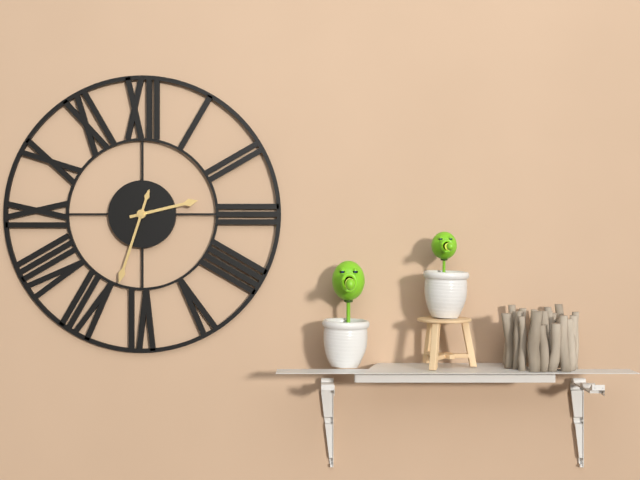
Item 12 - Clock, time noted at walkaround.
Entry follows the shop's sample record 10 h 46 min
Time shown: 2 h 33 min
